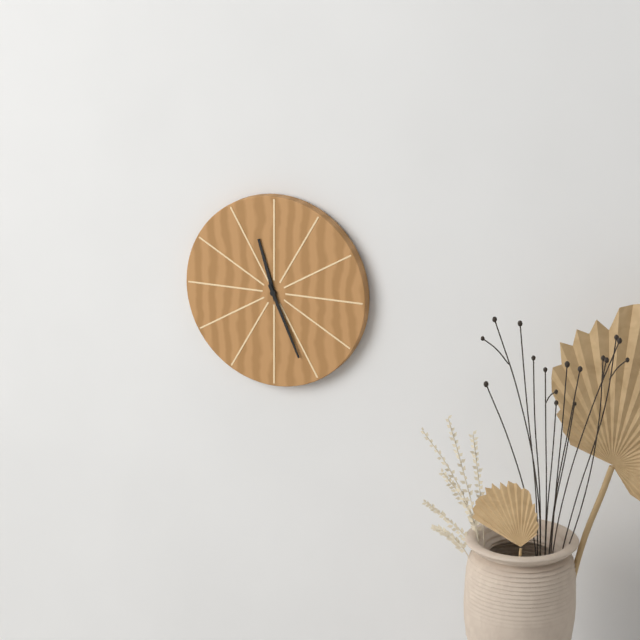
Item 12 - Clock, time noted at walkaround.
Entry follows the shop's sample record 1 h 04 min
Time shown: 11 h 26 min
